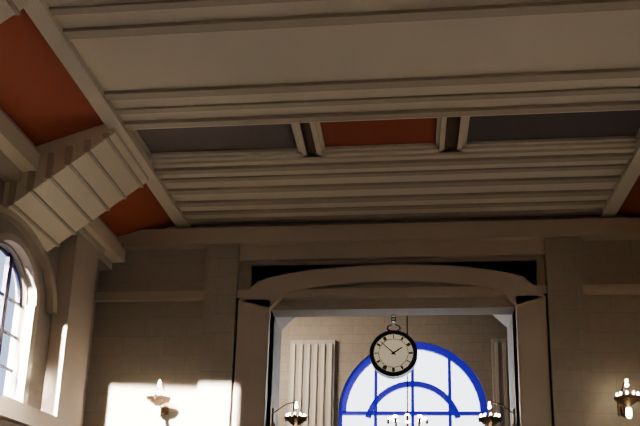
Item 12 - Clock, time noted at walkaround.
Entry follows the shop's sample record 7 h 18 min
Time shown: 1 h 52 min
